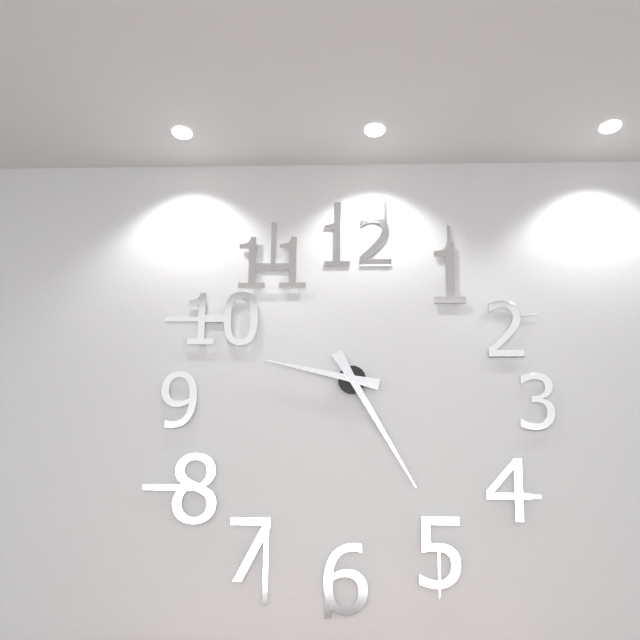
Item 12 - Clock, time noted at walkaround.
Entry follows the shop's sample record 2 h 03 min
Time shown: 9 h 25 min
